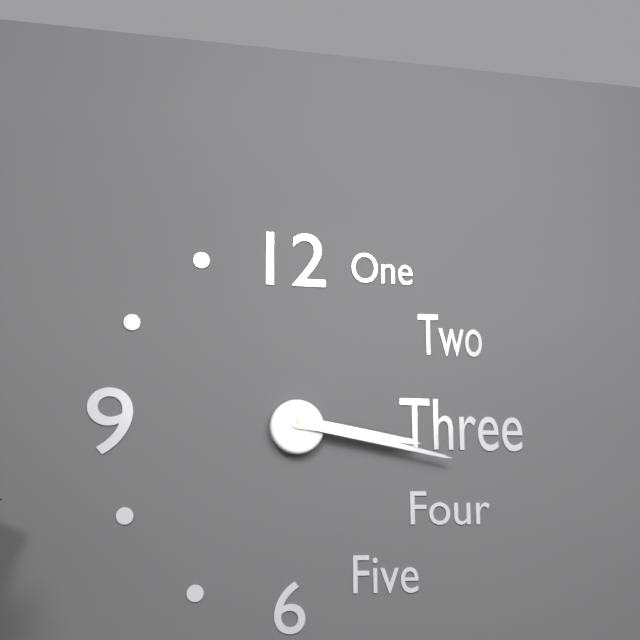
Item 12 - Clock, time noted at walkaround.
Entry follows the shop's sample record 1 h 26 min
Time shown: 3 h 17 min
